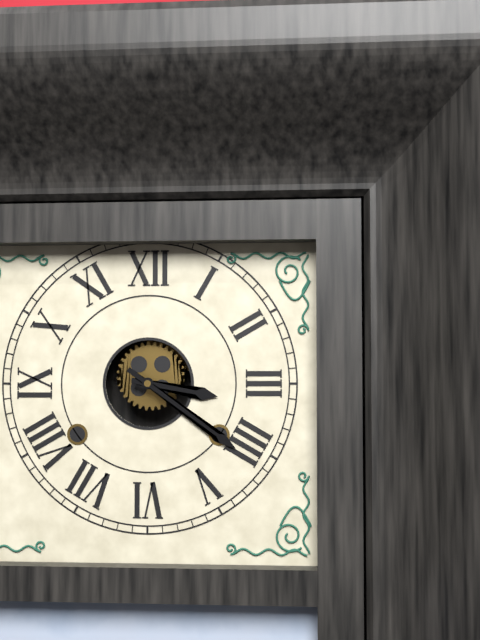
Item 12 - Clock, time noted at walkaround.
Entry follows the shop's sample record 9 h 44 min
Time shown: 3 h 21 min
